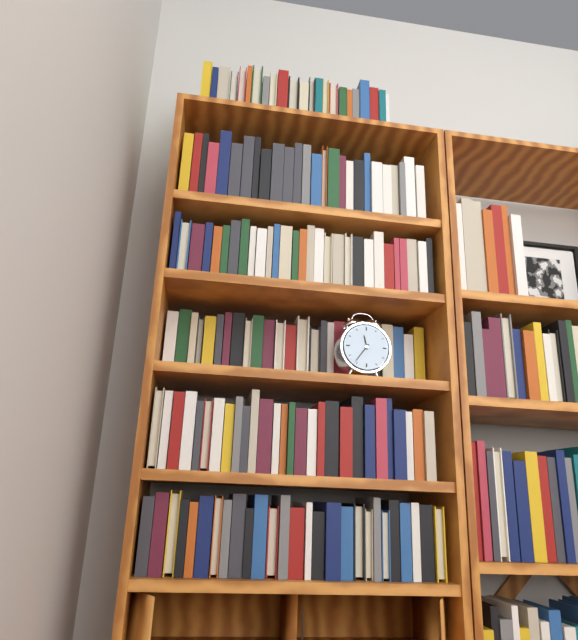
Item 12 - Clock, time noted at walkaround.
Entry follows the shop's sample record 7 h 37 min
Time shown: 11 h 36 min
